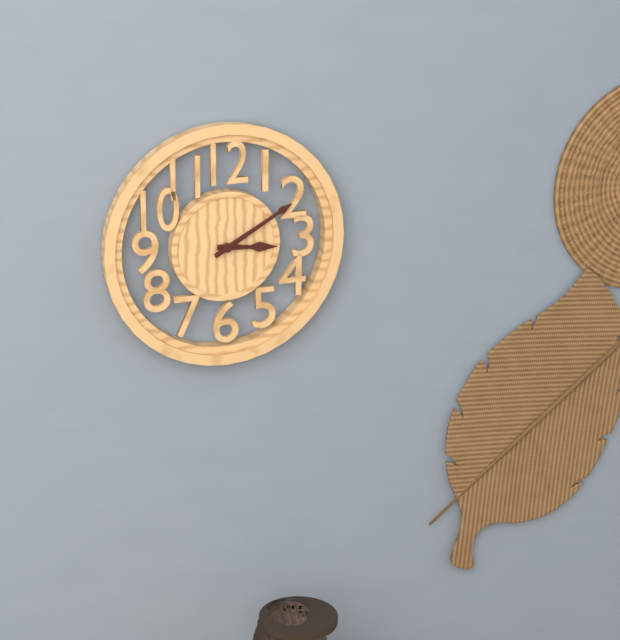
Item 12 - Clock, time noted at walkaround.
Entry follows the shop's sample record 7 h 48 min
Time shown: 3 h 10 min
